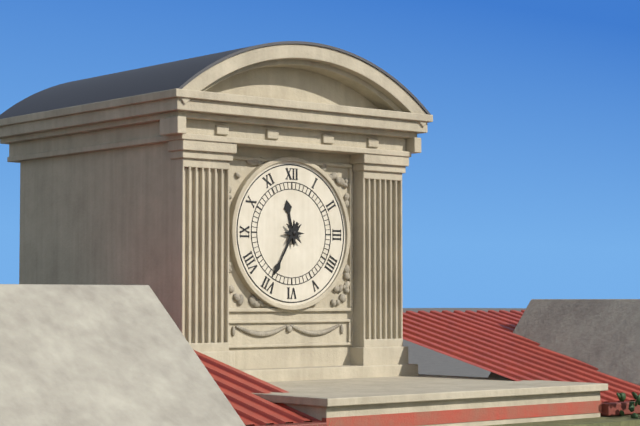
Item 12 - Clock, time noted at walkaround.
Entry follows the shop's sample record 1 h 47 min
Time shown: 11 h 35 min
